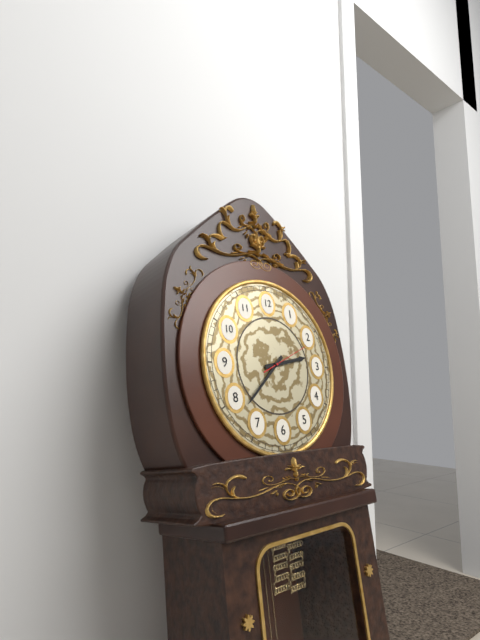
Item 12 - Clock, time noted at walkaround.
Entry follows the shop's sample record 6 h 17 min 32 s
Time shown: 2 h 38 min 11 s
